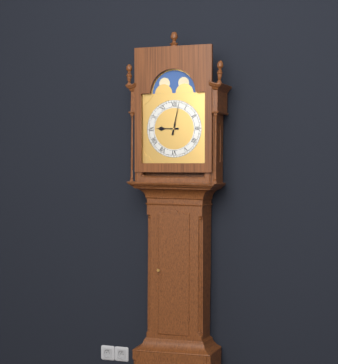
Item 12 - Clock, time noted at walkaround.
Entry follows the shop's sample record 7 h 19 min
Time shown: 9 h 02 min
